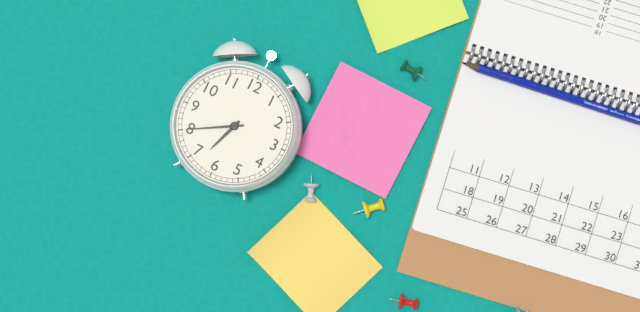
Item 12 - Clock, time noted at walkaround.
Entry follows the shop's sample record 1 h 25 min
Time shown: 6 h 40 min
